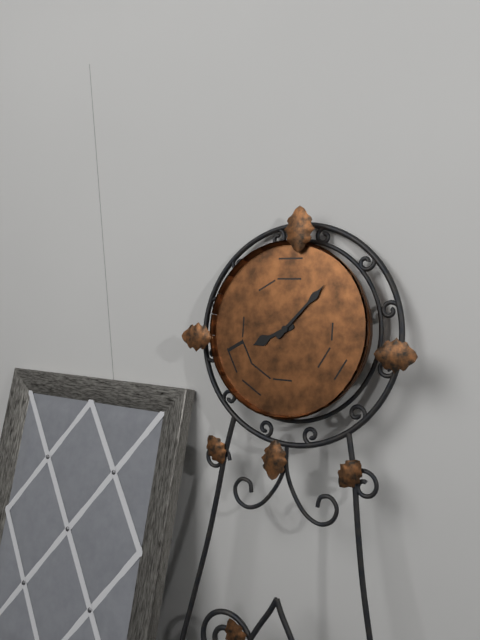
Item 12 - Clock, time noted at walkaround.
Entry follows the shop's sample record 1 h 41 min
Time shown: 8 h 07 min
